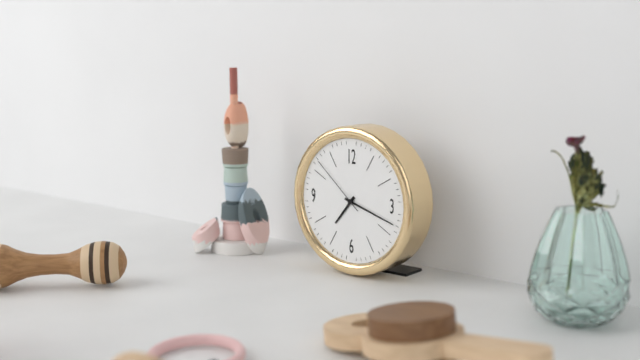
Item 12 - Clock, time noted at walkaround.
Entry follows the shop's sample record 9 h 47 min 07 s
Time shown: 7 h 18 min 52 s
